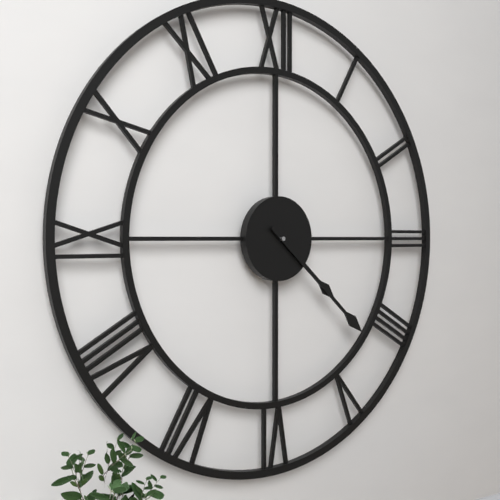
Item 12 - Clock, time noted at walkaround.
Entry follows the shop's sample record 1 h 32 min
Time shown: 4 h 22 min
